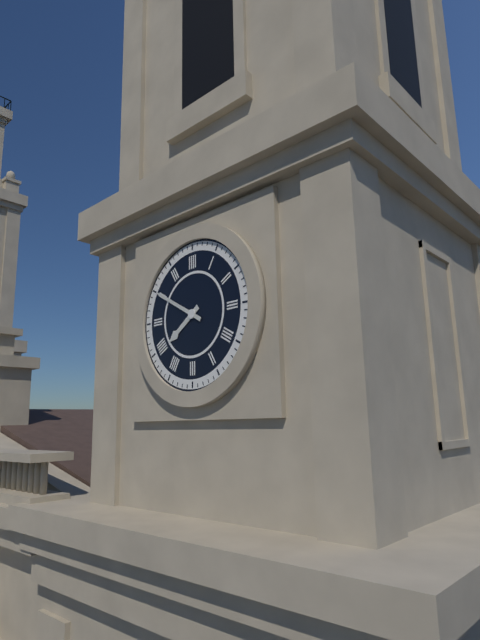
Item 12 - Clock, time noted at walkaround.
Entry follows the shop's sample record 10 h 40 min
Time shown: 7 h 50 min
